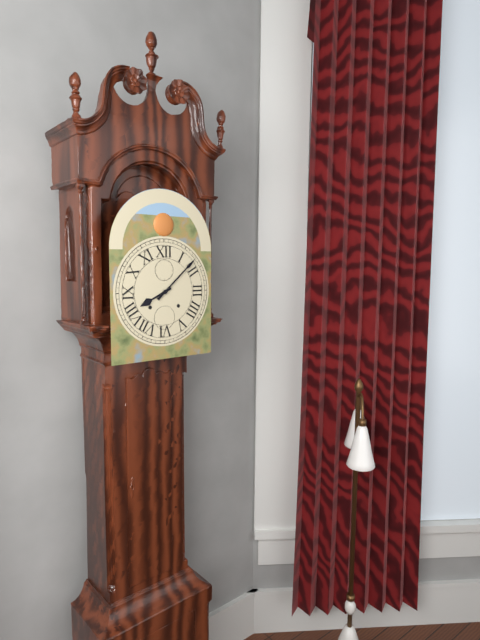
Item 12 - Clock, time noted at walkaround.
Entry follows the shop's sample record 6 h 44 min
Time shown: 8 h 08 min
